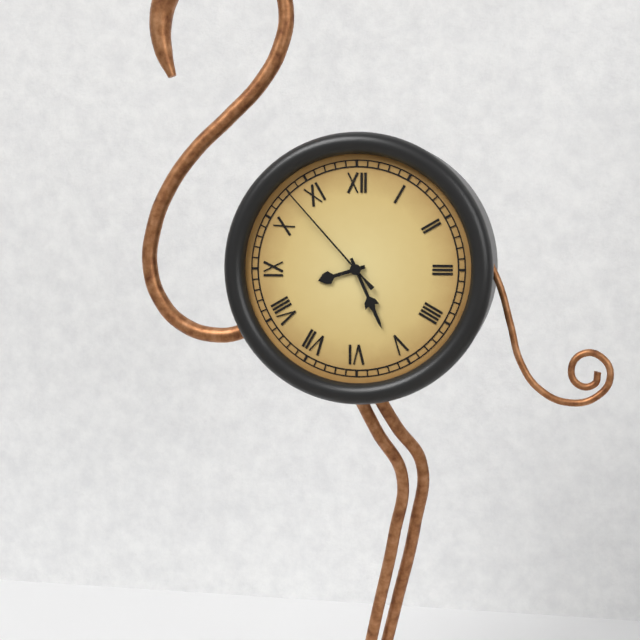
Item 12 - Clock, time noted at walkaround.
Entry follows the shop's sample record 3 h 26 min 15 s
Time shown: 8 h 26 min 53 s
